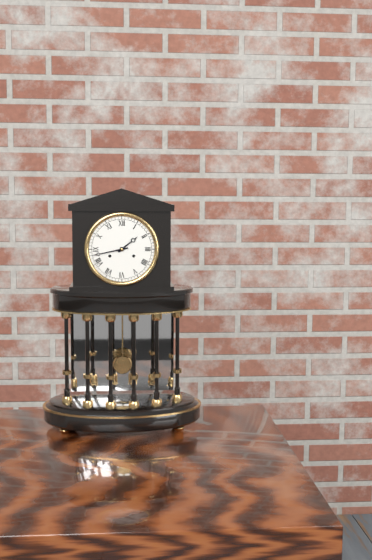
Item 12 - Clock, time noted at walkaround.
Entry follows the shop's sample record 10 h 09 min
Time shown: 1 h 43 min
